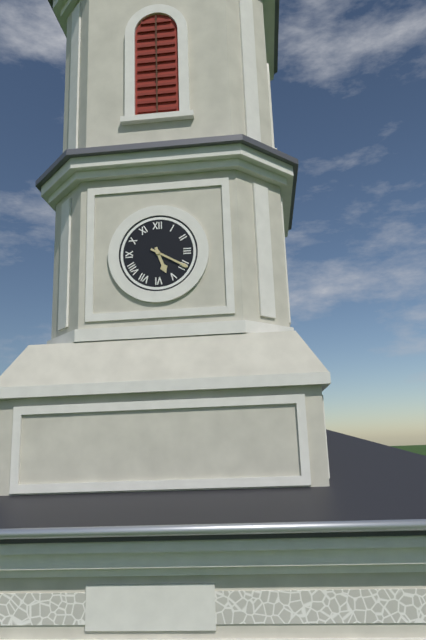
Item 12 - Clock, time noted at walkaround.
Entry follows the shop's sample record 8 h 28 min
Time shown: 5 h 20 min
